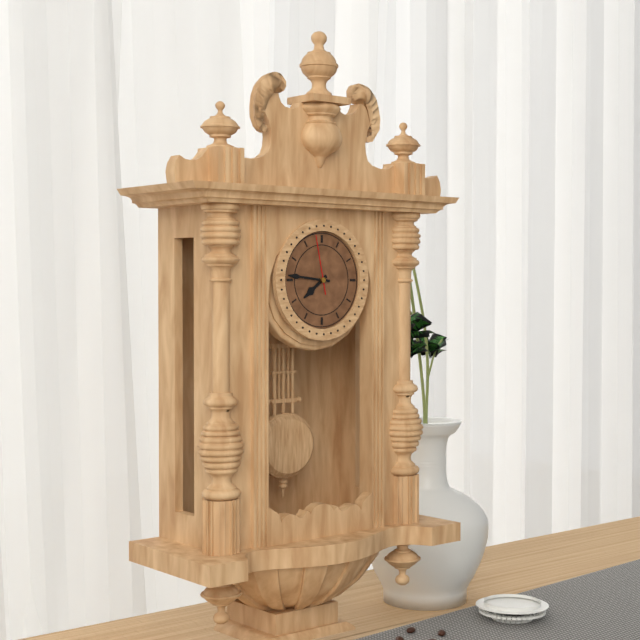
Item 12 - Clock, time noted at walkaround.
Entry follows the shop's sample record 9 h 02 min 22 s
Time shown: 7 h 46 min 58 s
